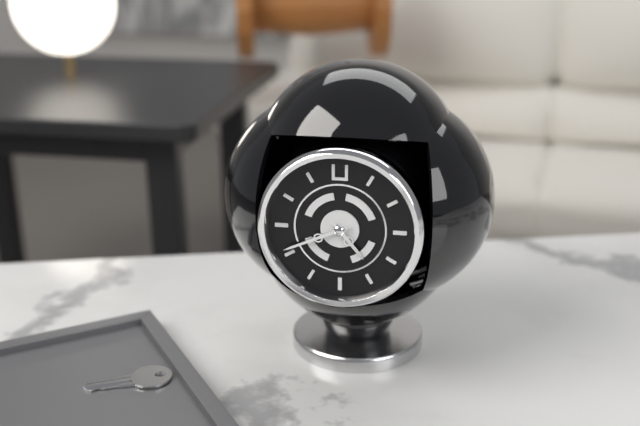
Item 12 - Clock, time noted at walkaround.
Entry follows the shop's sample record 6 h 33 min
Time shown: 4 h 41 min
